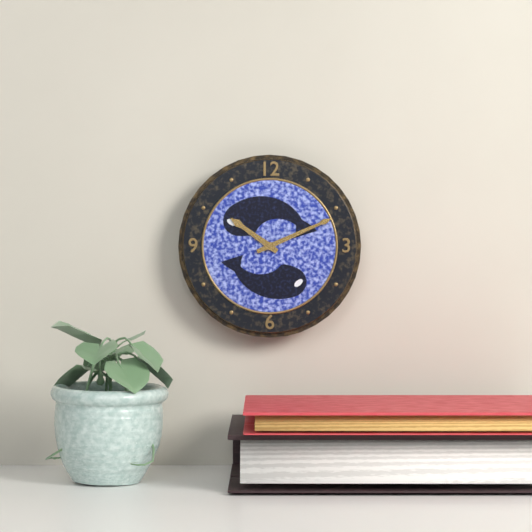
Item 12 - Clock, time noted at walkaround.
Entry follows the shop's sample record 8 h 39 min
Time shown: 10 h 11 min
